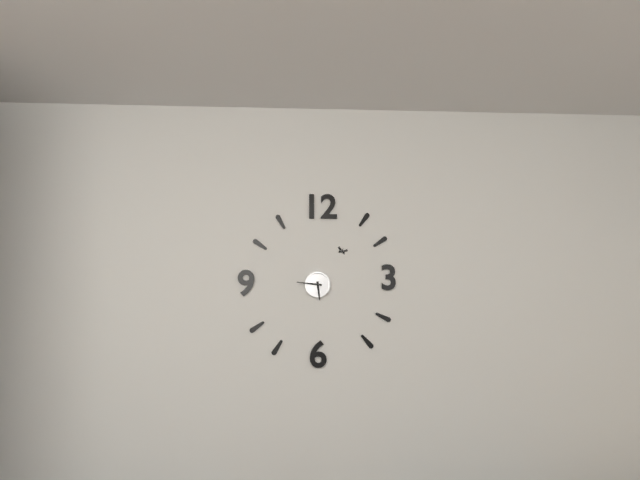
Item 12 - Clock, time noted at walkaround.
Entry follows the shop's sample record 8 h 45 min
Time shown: 5 h 46 min
